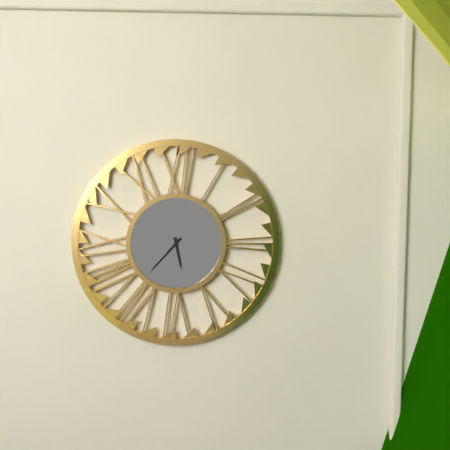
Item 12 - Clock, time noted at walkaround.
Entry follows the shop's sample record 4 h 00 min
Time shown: 5 h 37 min
